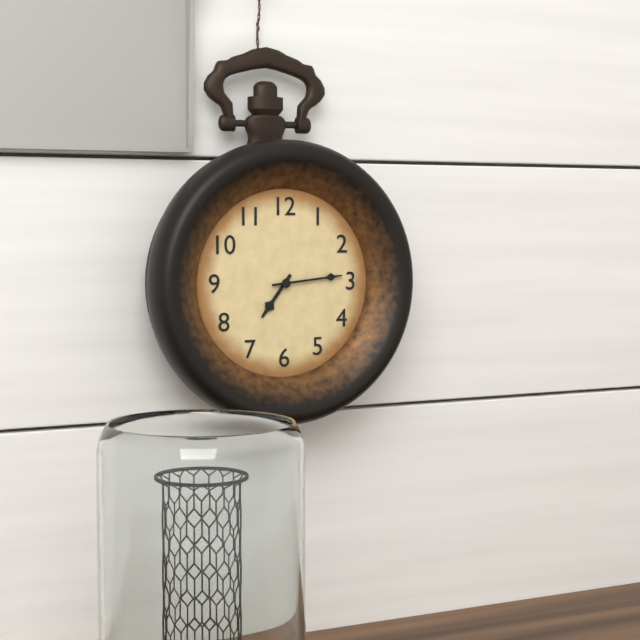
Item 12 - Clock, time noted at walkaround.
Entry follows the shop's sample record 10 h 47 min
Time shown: 7 h 14 min
